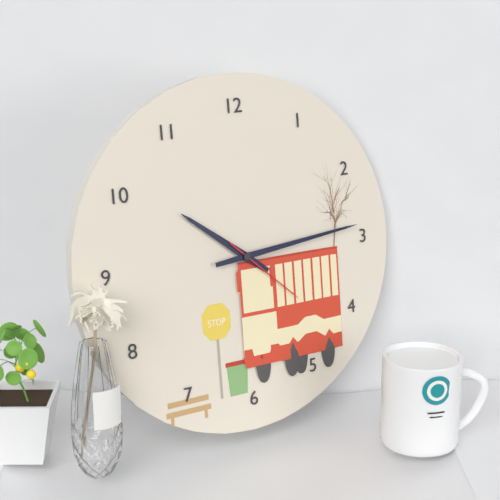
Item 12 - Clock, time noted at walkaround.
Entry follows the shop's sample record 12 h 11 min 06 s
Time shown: 10 h 14 min 22 s
